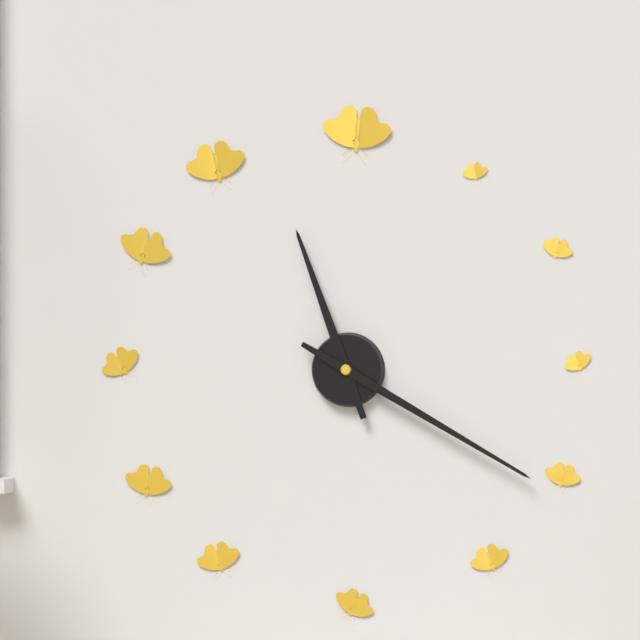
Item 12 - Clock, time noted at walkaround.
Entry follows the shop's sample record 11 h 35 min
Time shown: 11 h 20 min
